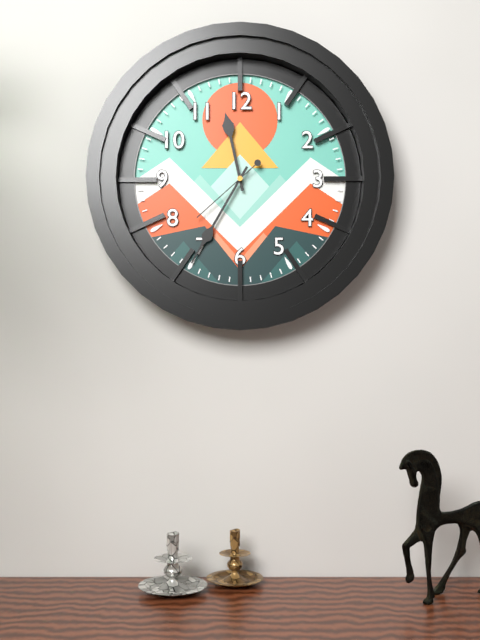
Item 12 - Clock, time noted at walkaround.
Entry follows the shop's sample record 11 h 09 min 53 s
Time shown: 11 h 35 min 38 s
